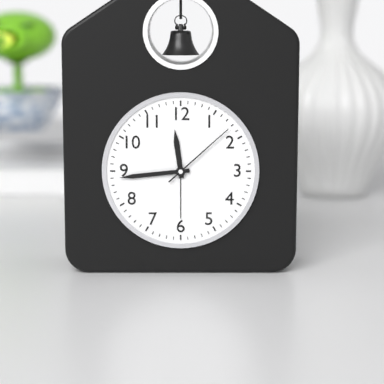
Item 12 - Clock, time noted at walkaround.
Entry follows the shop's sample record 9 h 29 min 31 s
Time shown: 11 h 44 min 08 s
